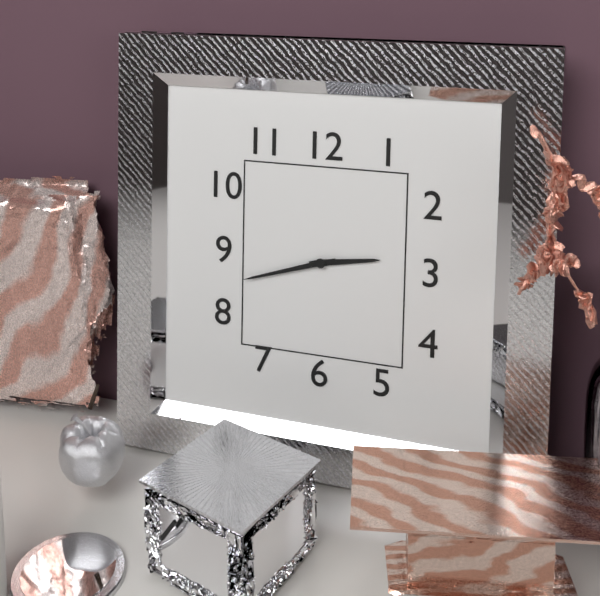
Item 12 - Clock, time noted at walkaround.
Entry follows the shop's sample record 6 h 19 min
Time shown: 2 h 42 min
